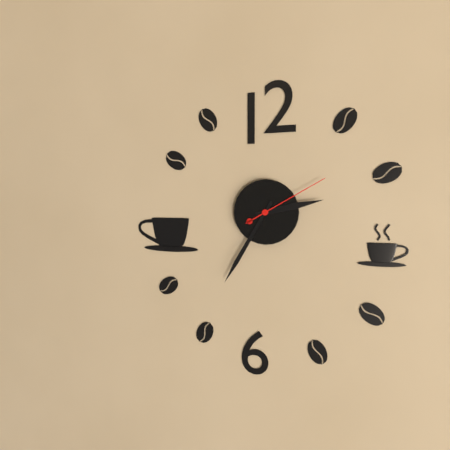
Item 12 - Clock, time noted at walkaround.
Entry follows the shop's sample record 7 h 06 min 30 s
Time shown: 2 h 35 min 10 s
